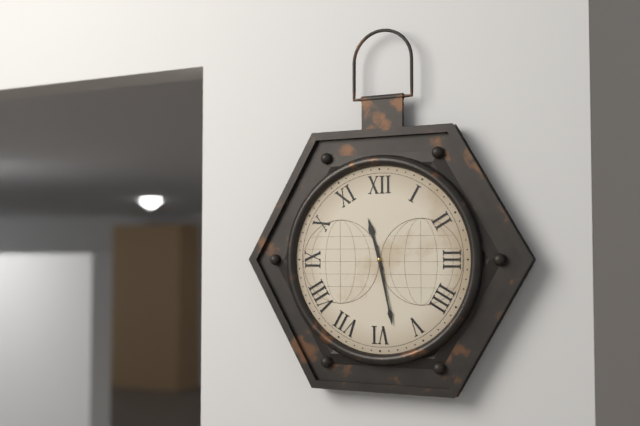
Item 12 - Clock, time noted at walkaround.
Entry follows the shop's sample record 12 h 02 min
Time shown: 11 h 28 min
